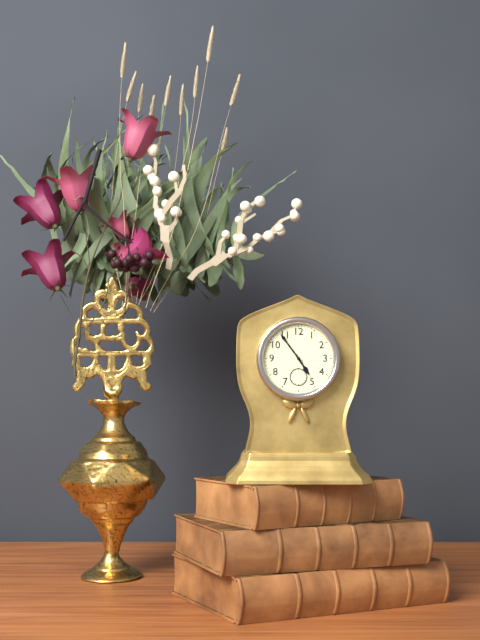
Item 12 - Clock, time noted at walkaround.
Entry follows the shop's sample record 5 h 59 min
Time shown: 4 h 54 min
